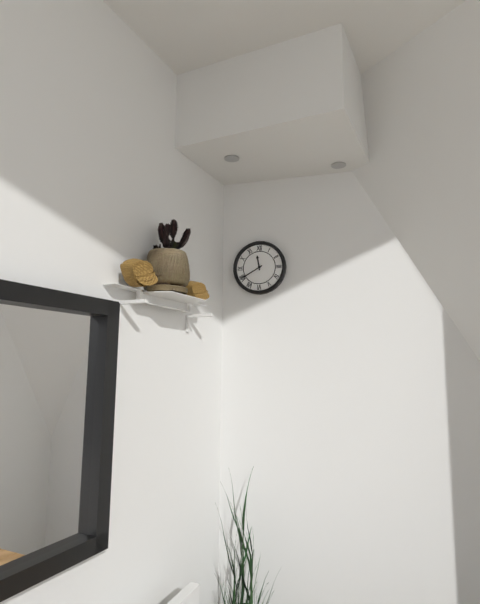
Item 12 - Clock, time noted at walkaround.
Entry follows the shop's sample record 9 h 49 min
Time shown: 11 h 40 min
